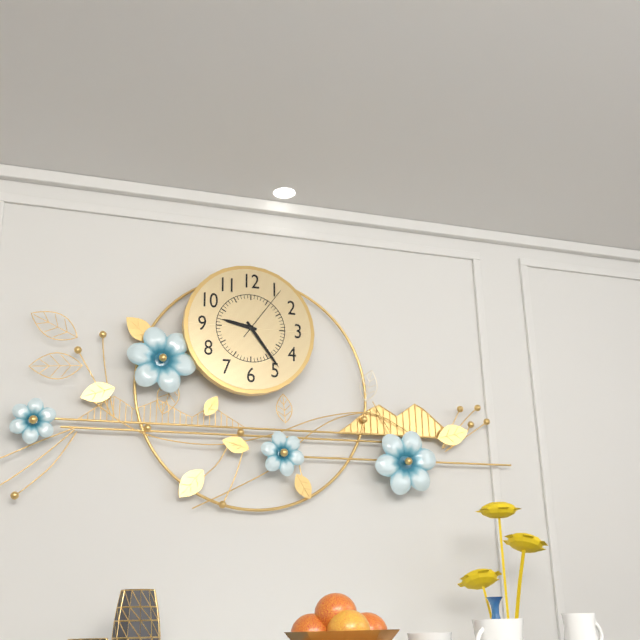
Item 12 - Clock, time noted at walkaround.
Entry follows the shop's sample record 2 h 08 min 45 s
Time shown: 9 h 24 min 06 s
